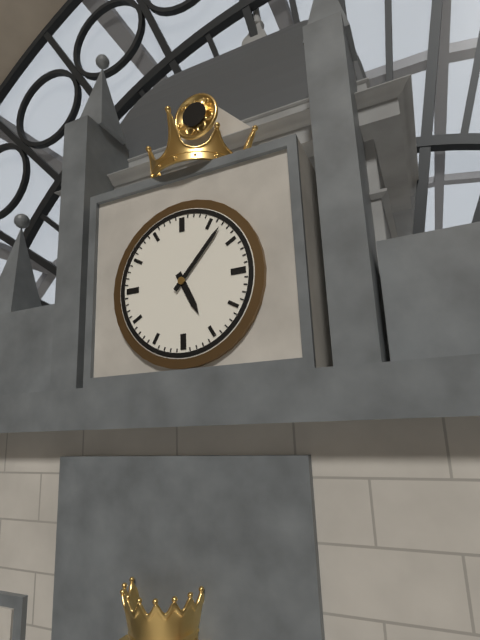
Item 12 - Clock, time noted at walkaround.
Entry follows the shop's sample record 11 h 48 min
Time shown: 5 h 07 min
